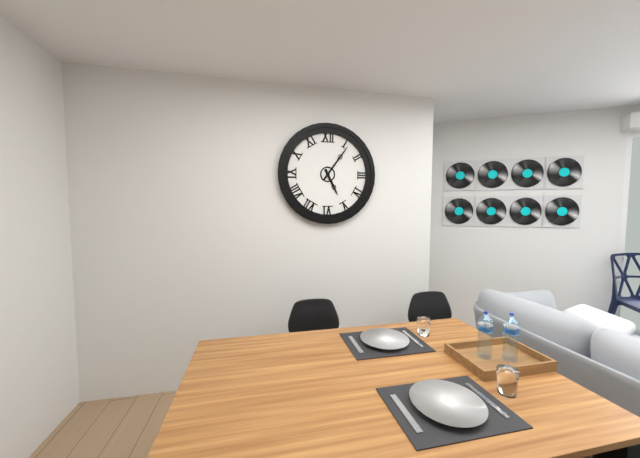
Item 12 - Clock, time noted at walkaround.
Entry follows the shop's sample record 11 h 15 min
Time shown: 5 h 06 min
